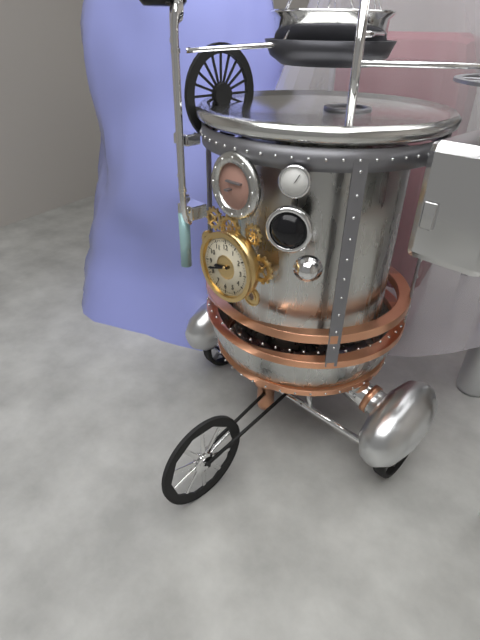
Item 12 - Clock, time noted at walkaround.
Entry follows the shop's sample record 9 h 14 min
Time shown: 8 h 42 min
